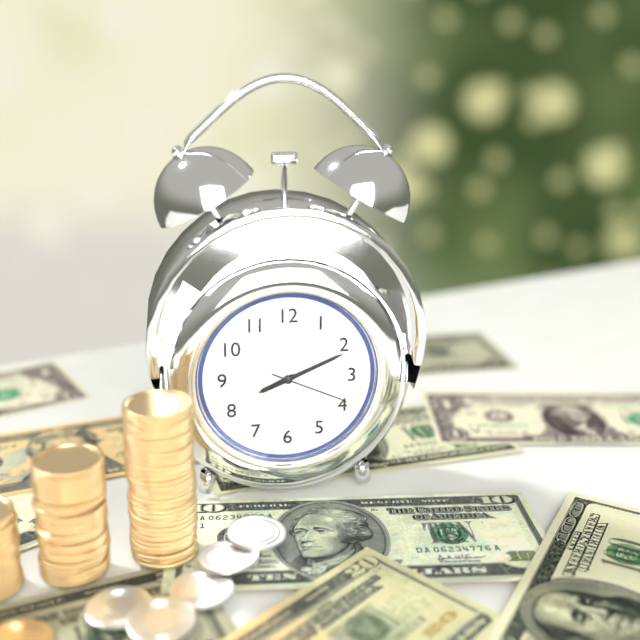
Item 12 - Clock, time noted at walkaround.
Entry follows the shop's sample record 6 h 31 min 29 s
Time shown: 8 h 11 min 19 s
